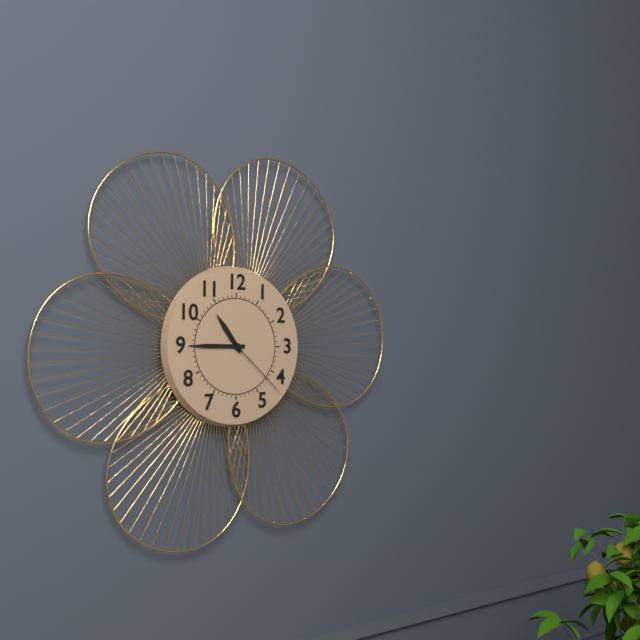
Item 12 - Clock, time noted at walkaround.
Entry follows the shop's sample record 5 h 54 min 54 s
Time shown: 10 h 45 min 22 s
